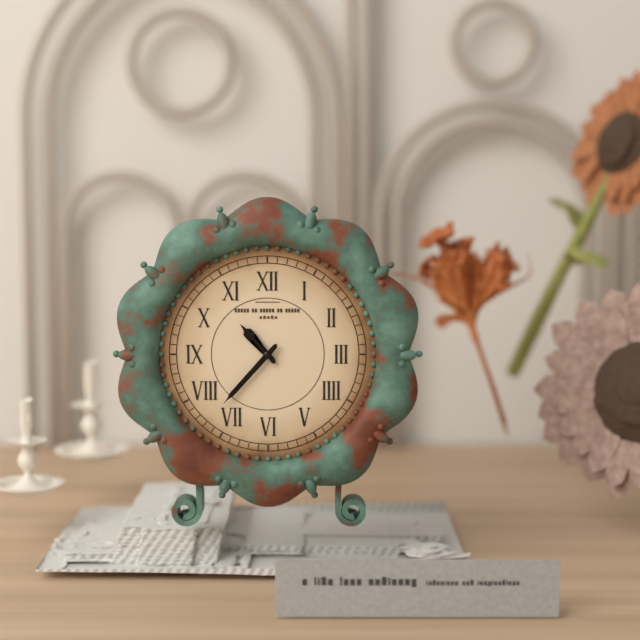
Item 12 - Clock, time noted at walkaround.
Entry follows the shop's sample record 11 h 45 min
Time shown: 10 h 37 min
